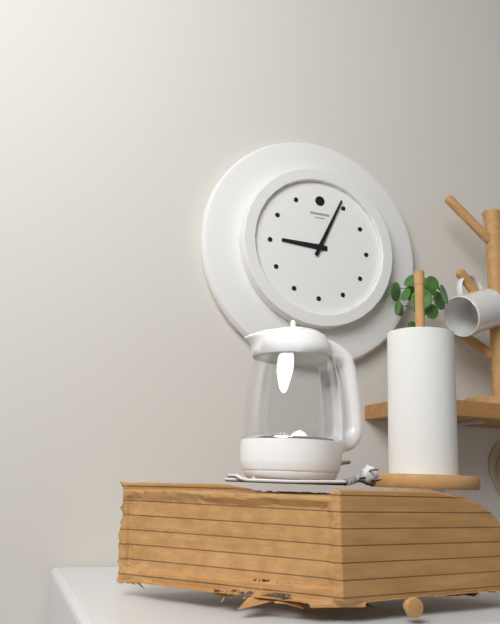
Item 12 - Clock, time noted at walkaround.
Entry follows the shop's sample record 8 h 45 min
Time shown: 9 h 04 min
